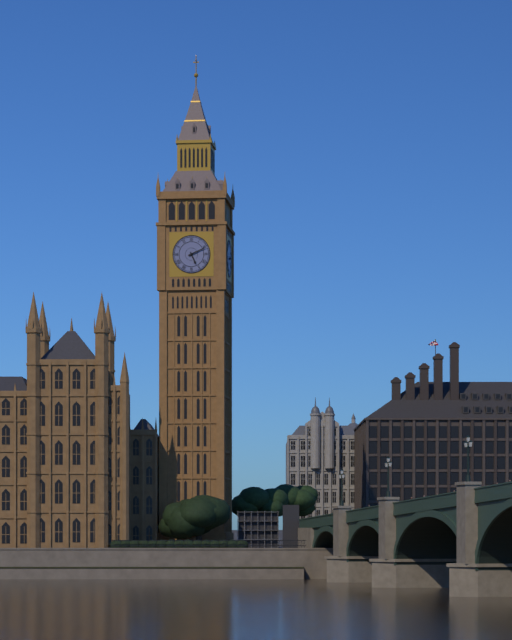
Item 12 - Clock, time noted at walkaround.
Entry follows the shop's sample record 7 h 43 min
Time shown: 5 h 11 min
